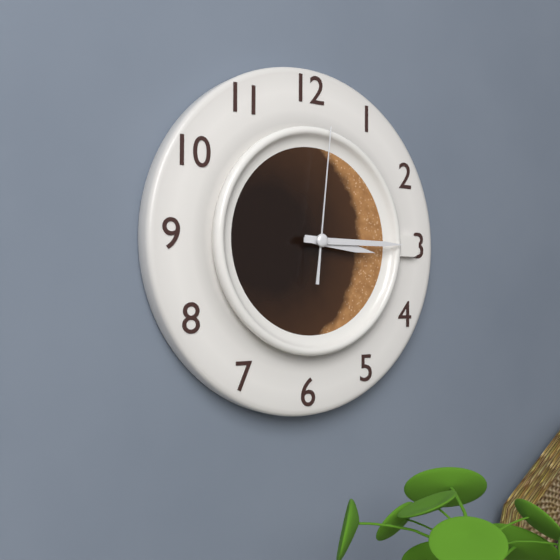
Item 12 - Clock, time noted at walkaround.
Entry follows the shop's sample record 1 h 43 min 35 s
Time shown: 3 h 15 min 01 s
